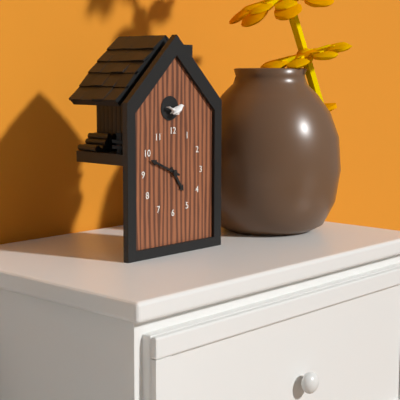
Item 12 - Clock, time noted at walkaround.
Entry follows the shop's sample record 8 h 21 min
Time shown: 4 h 49 min
